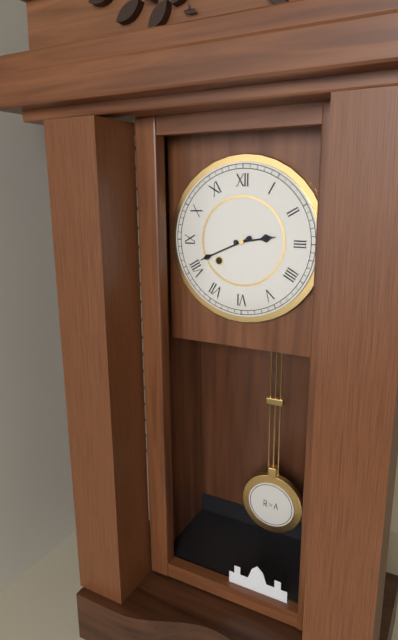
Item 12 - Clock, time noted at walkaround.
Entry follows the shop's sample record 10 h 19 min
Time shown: 2 h 41 min
